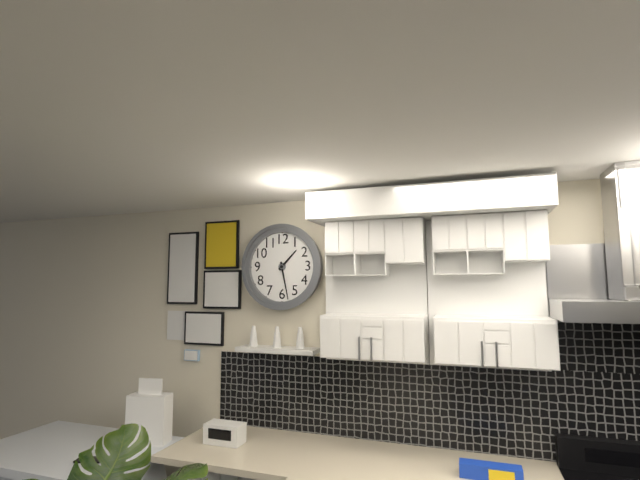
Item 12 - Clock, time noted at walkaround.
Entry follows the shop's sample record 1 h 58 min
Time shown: 1 h 28 min
